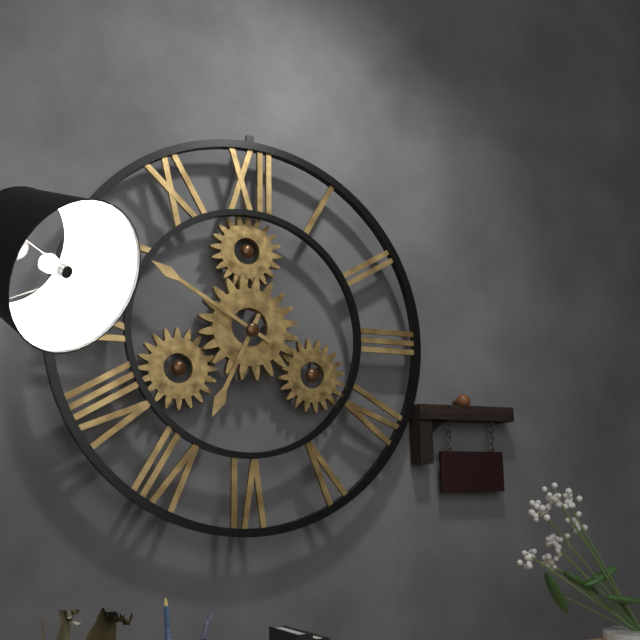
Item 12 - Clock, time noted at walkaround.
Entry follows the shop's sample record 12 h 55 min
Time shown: 6 h 50 min
